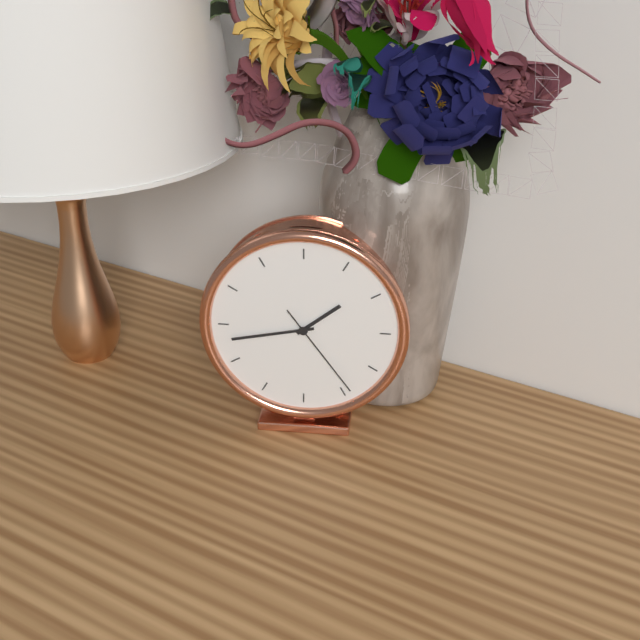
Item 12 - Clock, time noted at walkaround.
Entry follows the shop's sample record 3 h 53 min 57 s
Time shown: 1 h 43 min 24 s
